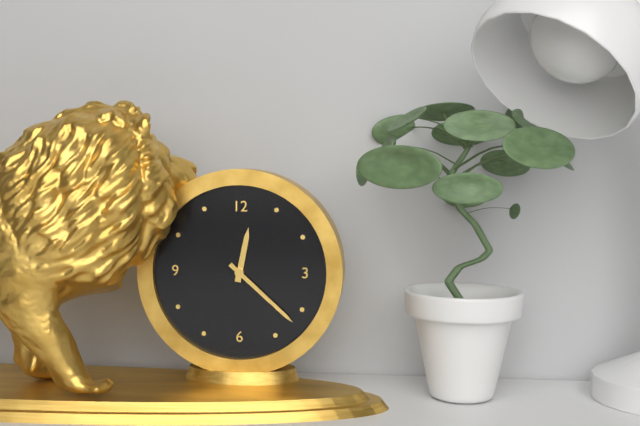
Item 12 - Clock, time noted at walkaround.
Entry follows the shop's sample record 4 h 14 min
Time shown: 12 h 22 min
